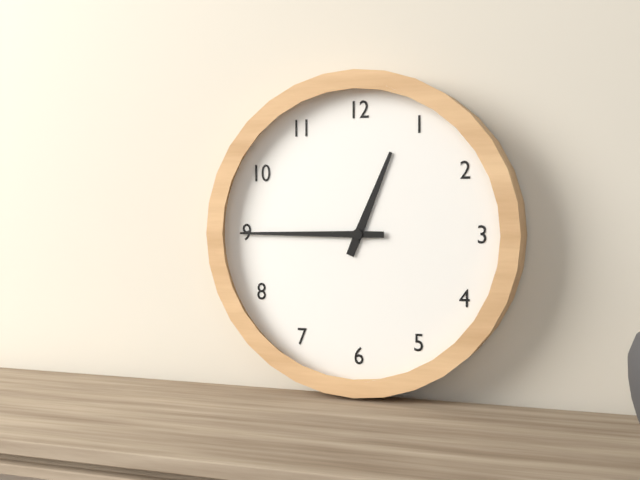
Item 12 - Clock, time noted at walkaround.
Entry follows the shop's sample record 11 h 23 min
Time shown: 12 h 45 min
